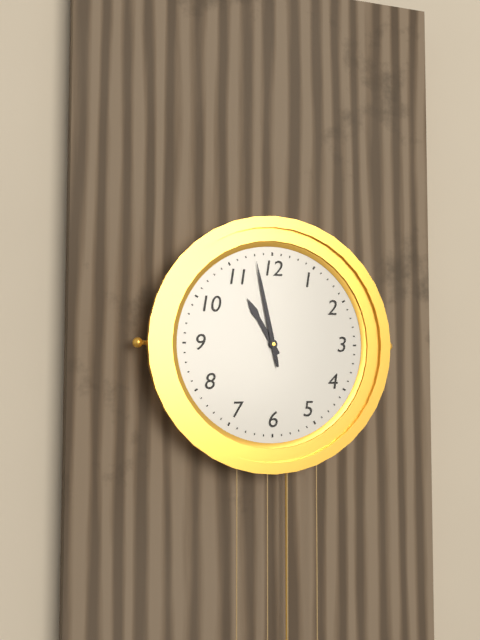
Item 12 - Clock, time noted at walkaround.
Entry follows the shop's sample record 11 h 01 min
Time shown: 10 h 58 min
